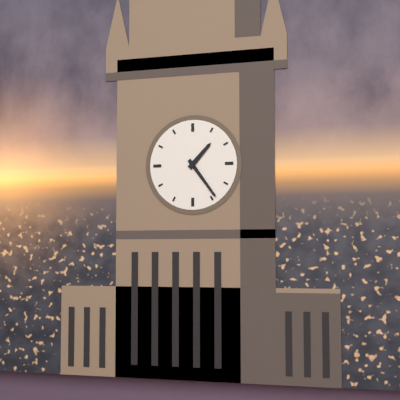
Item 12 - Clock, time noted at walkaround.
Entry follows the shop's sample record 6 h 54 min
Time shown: 1 h 24 min
